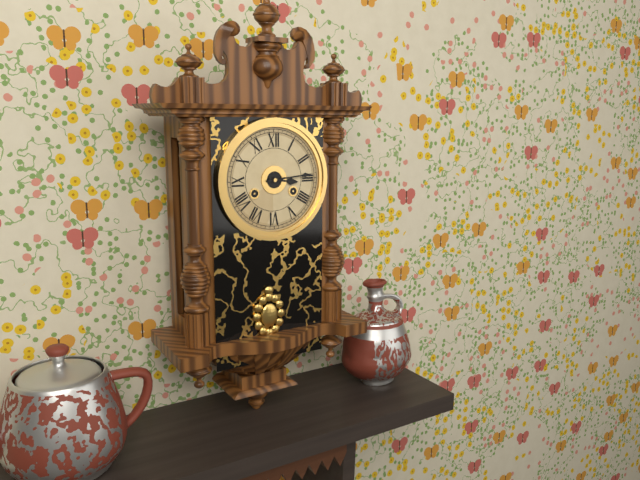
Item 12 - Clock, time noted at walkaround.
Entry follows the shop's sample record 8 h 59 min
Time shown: 3 h 14 min
